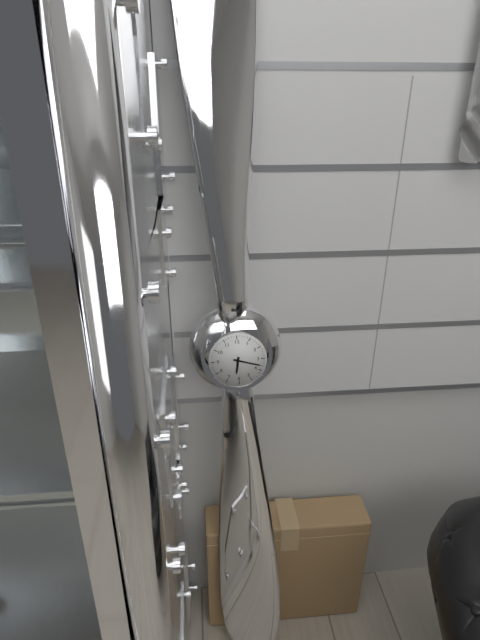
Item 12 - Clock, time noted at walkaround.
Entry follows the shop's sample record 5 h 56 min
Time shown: 6 h 18 min
